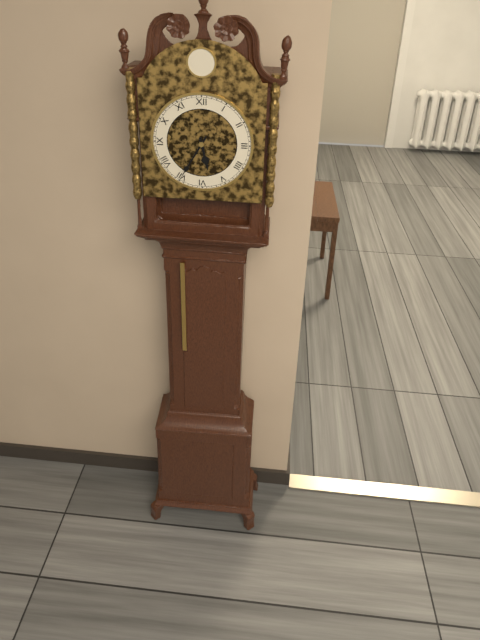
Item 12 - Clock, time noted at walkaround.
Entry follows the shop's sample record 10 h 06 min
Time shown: 5 h 35 min
